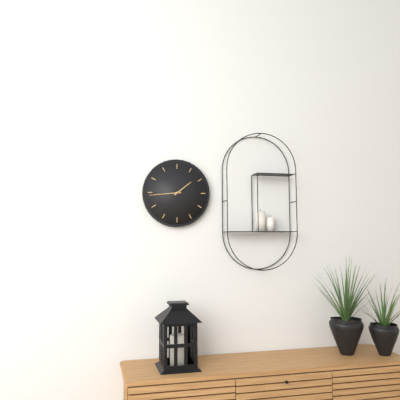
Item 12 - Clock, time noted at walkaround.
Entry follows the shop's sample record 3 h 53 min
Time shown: 1 h 44 min
